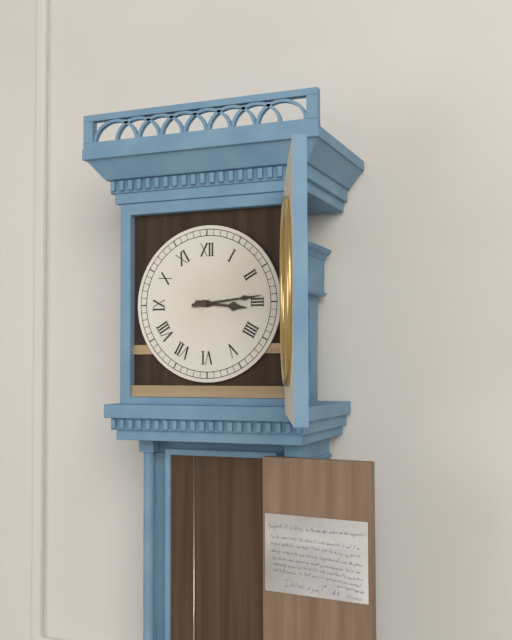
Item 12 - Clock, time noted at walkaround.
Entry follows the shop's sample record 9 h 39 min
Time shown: 3 h 14 min
